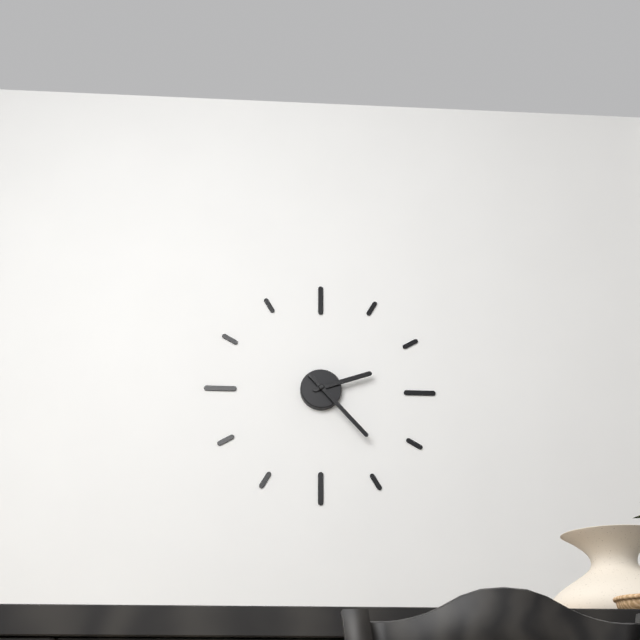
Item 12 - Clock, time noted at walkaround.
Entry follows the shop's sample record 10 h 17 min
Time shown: 2 h 23 min
